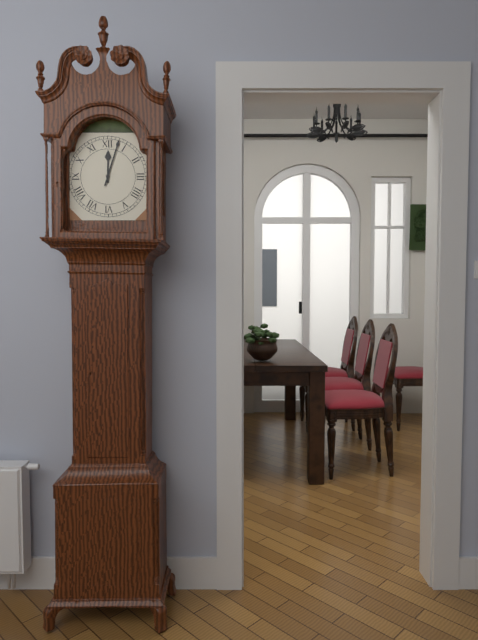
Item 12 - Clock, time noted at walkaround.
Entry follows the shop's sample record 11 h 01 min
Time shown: 12 h 03 min
